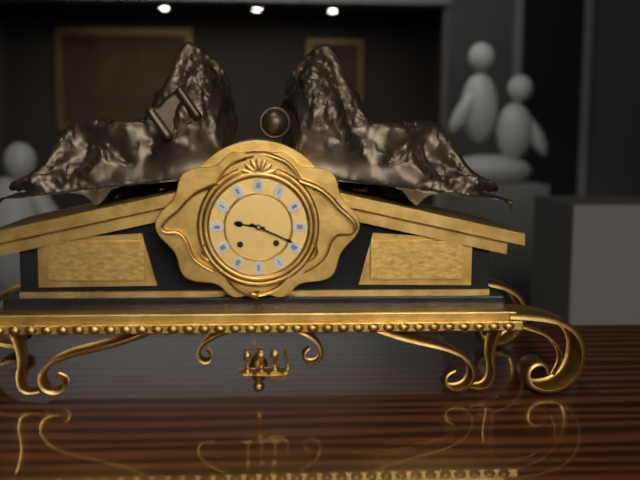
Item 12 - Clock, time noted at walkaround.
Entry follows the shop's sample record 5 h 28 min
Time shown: 9 h 19 min
